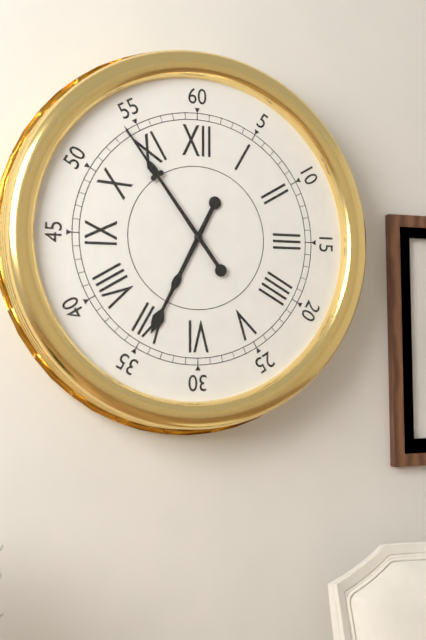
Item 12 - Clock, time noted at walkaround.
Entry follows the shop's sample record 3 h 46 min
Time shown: 6 h 54 min
